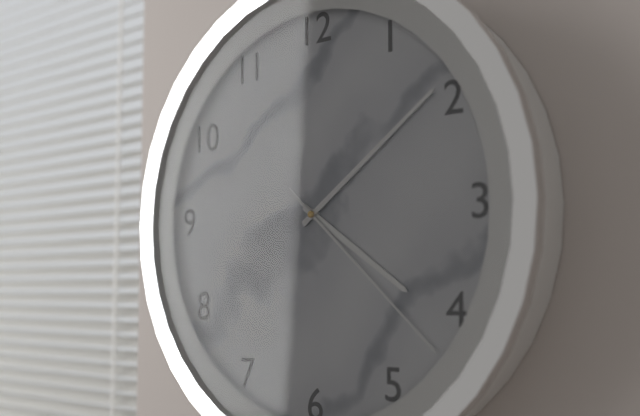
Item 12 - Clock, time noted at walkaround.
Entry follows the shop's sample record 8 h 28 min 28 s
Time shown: 4 h 09 min 22 s
